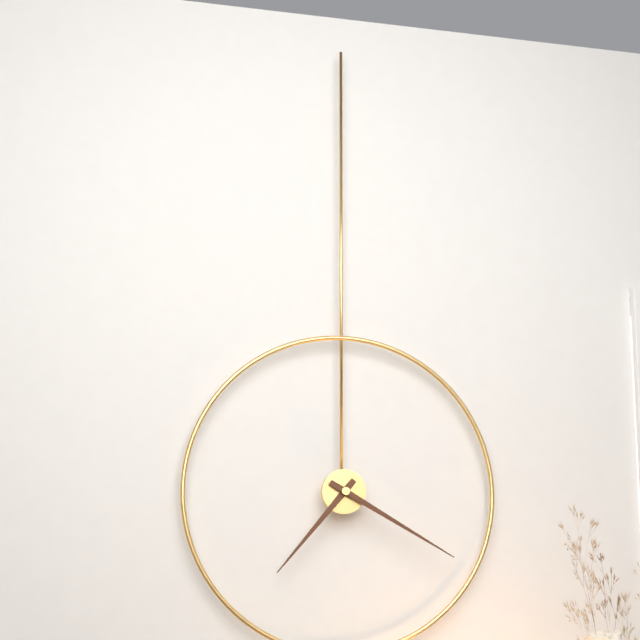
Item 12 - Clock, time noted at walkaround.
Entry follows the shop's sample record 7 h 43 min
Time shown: 7 h 20 min
